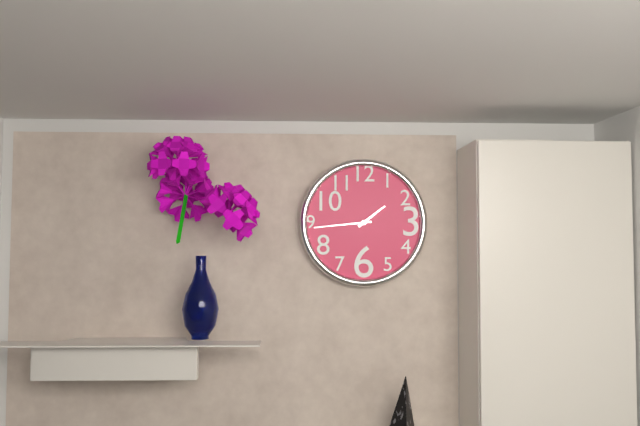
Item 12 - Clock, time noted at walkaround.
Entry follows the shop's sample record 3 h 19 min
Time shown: 1 h 44 min
